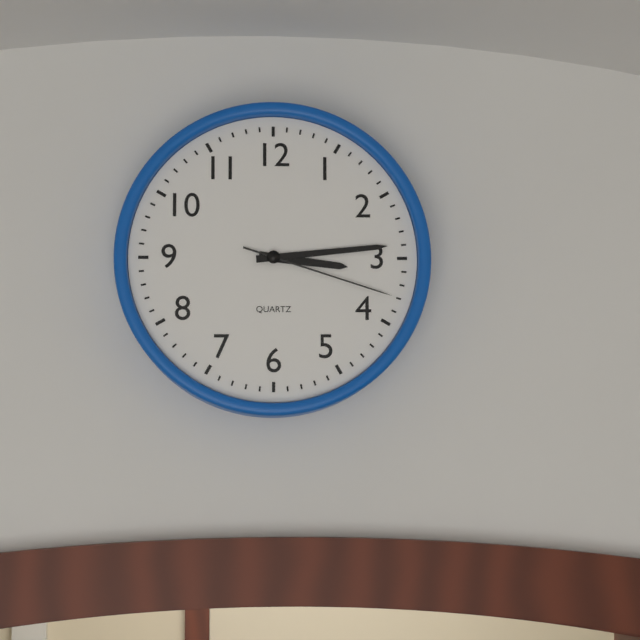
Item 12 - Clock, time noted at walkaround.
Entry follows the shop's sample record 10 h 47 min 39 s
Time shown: 3 h 14 min 18 s
